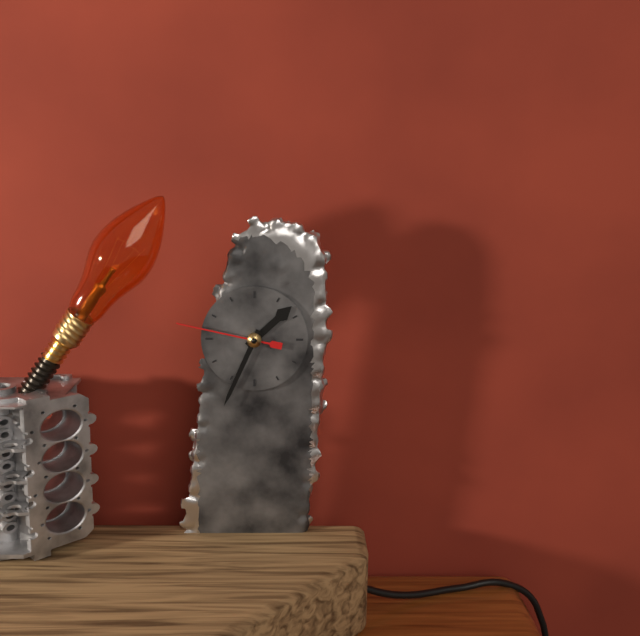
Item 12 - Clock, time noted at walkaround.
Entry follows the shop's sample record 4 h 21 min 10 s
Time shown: 1 h 34 min 47 s
